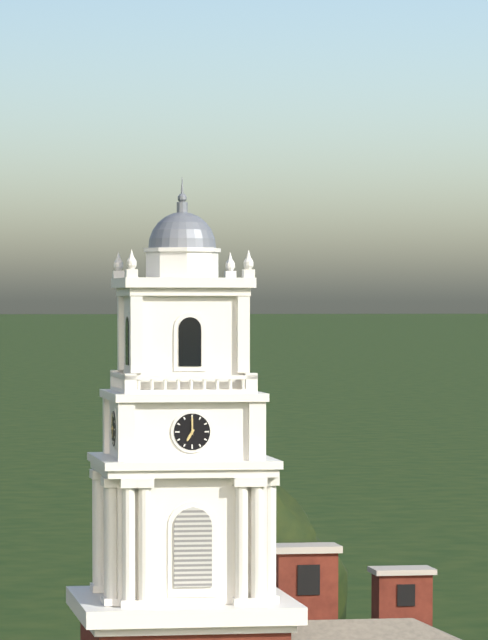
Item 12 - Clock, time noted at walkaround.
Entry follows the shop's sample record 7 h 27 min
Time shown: 7 h 00 min
